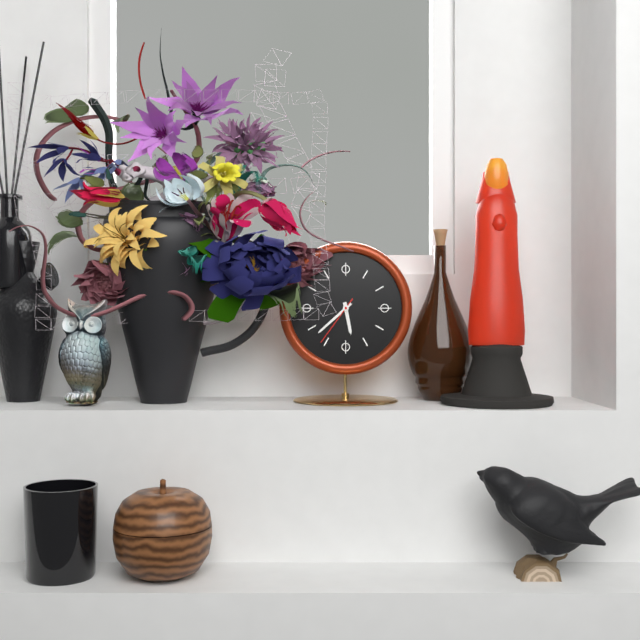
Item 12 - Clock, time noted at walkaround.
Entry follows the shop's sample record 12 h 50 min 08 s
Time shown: 5 h 38 min 36 s
